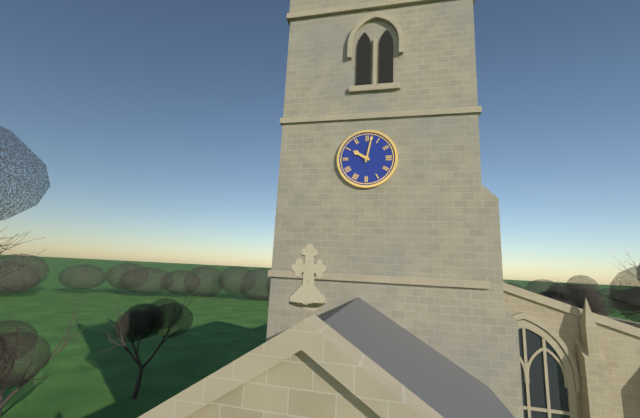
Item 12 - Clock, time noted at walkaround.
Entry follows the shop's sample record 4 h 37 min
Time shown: 10 h 02 min
